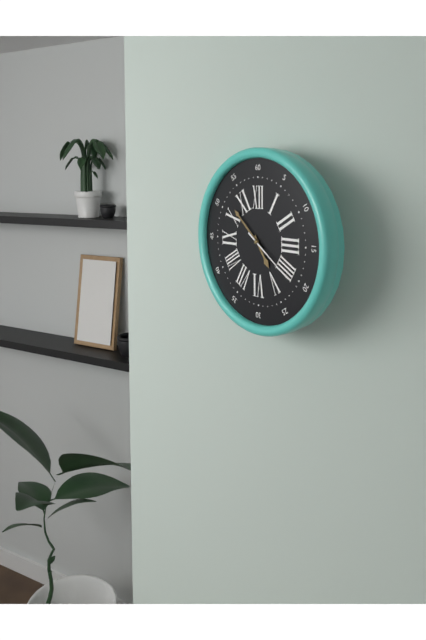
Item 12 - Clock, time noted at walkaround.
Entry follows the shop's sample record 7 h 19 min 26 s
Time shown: 4 h 52 min 21 s
